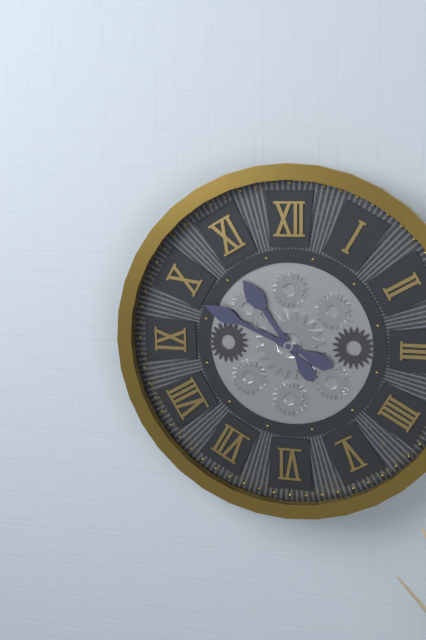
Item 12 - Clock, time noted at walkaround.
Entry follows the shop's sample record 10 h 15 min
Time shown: 10 h 49 min
